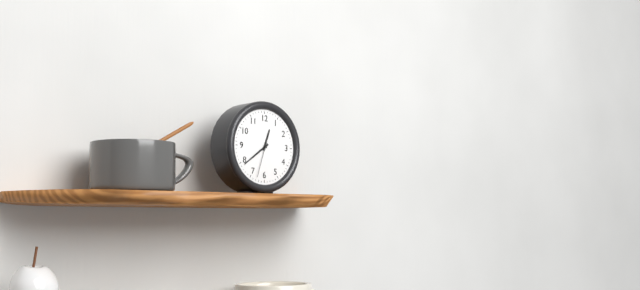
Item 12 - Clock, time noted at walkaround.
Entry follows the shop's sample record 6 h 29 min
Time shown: 12 h 39 min
